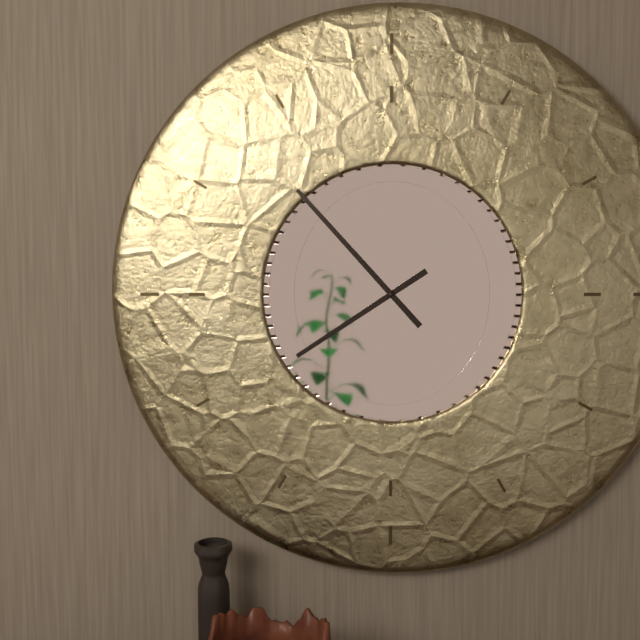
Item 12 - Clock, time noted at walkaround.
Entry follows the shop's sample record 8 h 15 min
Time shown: 7 h 53 min
